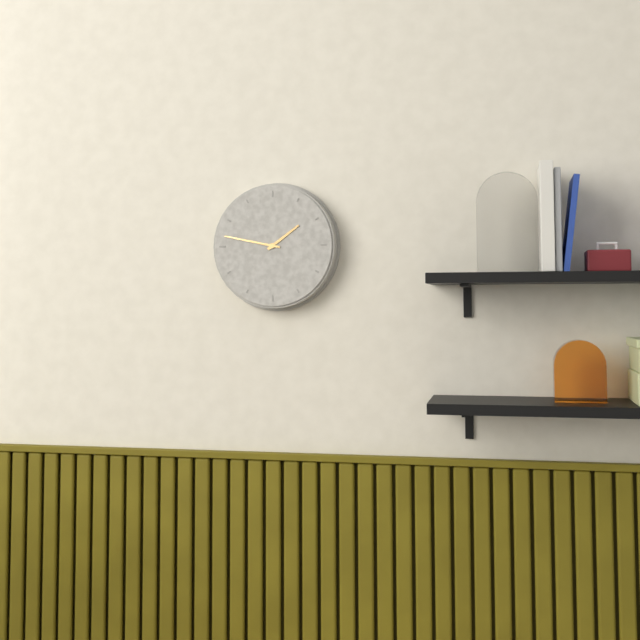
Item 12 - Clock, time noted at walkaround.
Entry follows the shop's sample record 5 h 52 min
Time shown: 1 h 47 min
